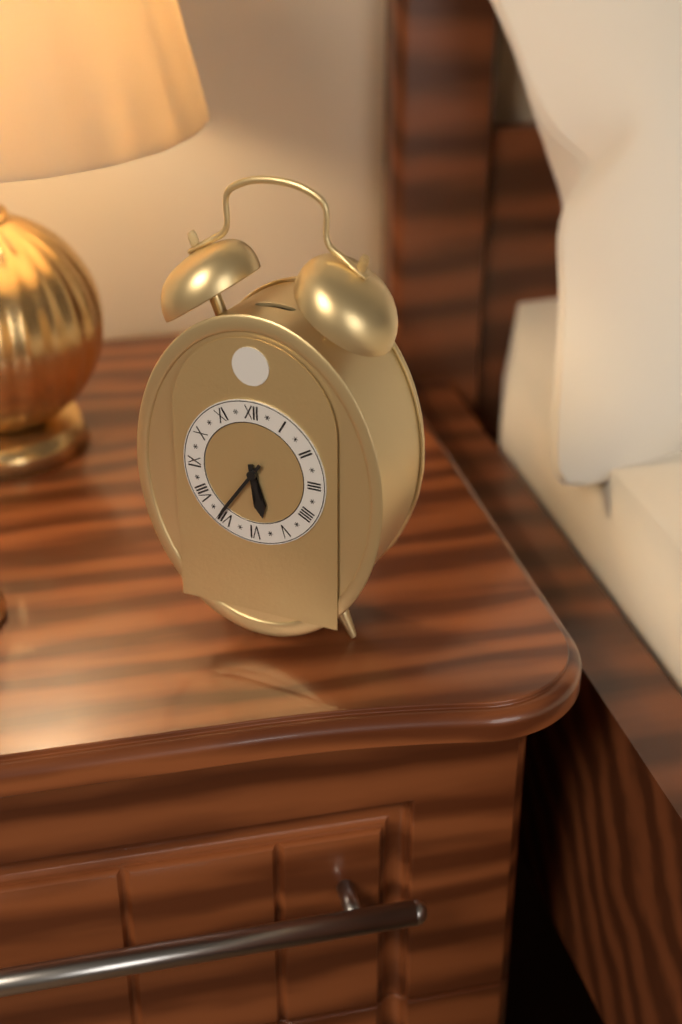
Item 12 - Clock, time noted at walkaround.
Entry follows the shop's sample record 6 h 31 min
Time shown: 5 h 36 min
